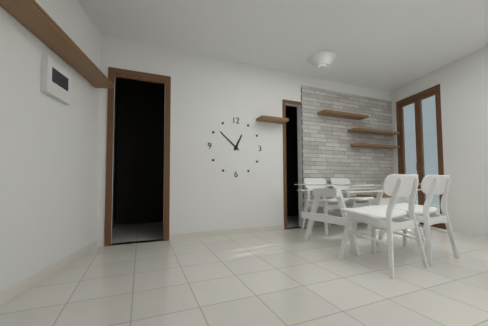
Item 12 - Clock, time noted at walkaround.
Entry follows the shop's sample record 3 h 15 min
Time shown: 12 h 52 min
